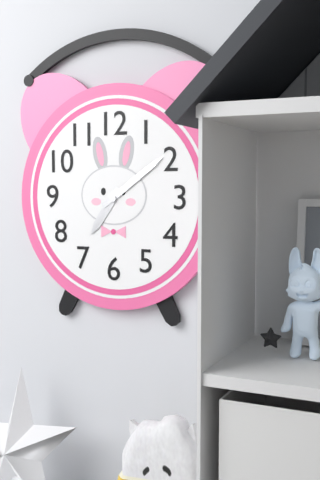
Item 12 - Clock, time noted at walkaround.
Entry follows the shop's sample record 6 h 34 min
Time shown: 7 h 09 min
